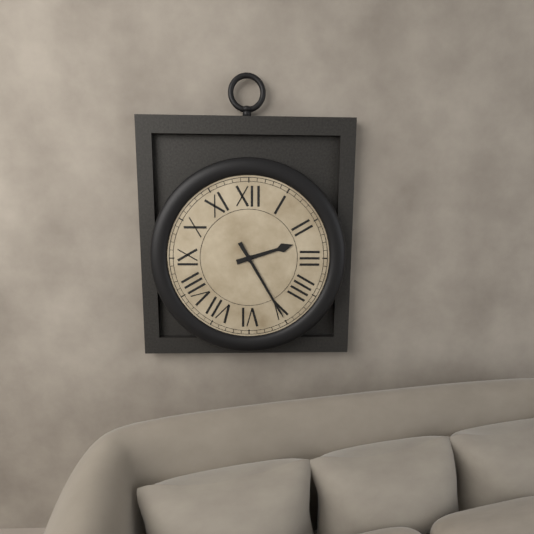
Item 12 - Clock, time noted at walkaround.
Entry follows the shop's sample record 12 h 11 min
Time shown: 2 h 25 min
